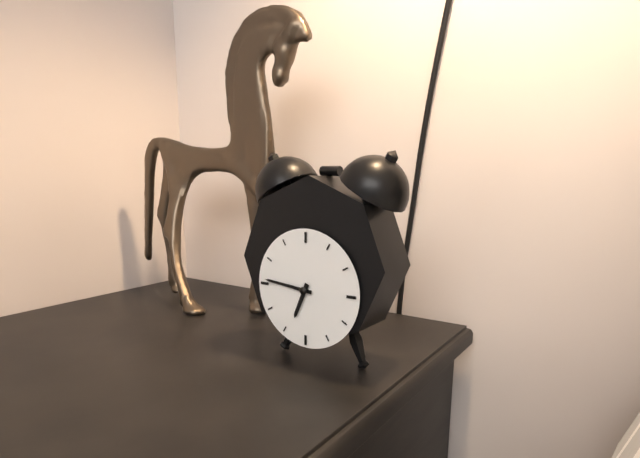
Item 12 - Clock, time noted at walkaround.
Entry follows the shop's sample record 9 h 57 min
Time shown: 6 h 46 min
